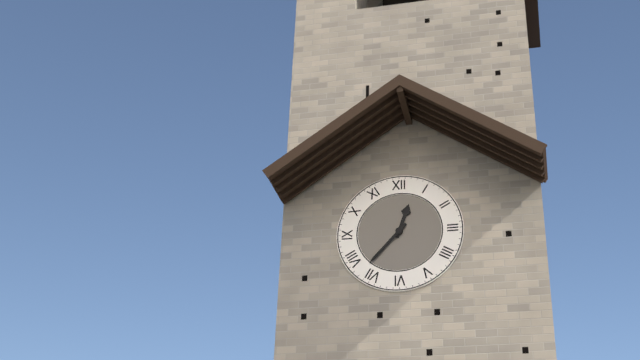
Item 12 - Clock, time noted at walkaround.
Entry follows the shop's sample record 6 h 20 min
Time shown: 12 h 37 min
